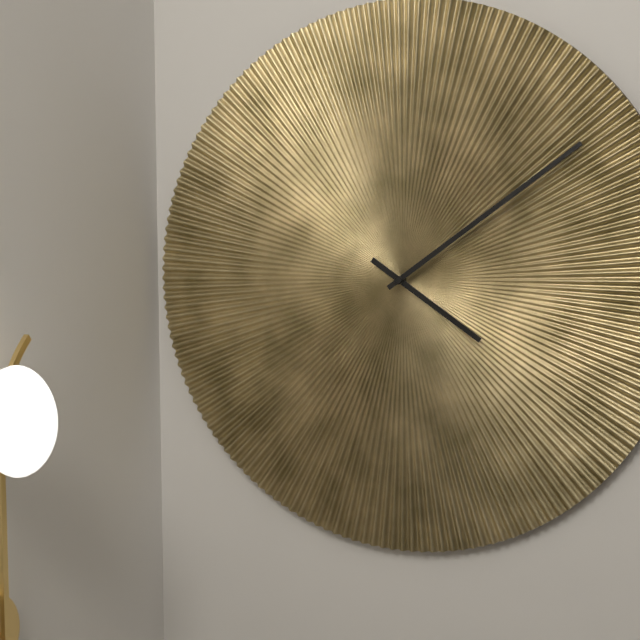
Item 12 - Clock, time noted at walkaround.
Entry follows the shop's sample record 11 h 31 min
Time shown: 4 h 09 min
